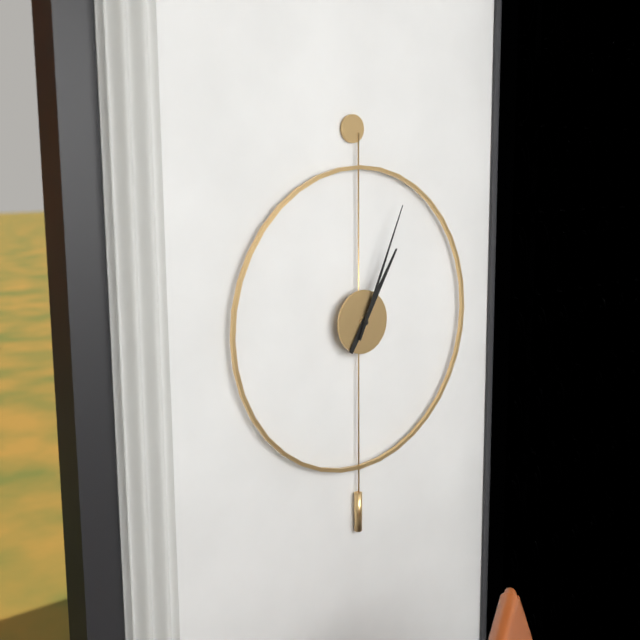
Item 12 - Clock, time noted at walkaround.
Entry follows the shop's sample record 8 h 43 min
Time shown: 1 h 04 min
